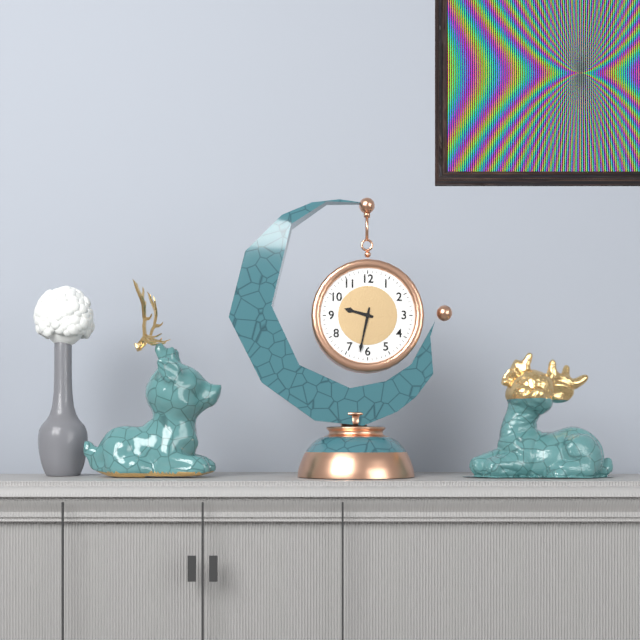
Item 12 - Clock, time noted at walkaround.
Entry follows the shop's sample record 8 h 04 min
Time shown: 9 h 32 min
